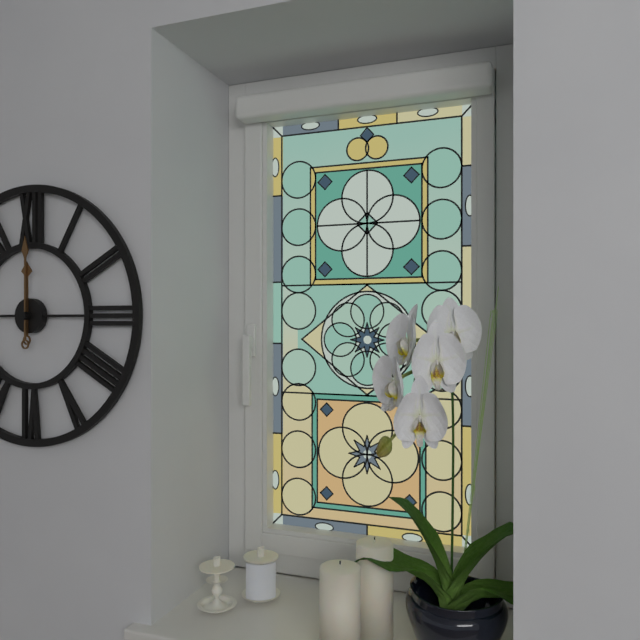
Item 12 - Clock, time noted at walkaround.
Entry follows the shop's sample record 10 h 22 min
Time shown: 12 h 00 min
